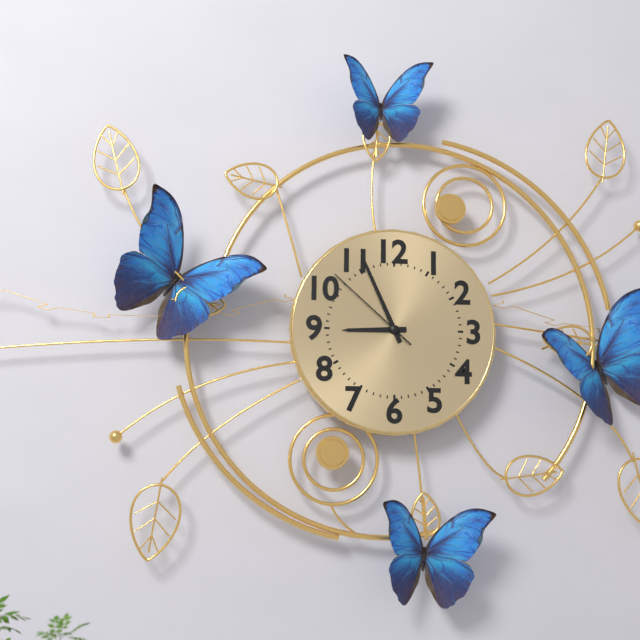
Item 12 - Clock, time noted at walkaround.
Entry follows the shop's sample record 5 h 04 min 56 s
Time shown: 8 h 56 min 52 s
